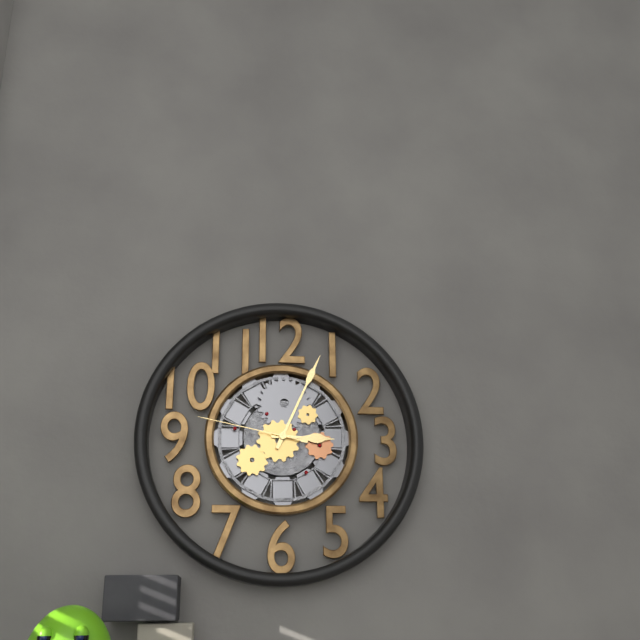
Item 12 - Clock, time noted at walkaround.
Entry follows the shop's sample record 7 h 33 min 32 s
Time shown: 3 h 04 min 47 s
